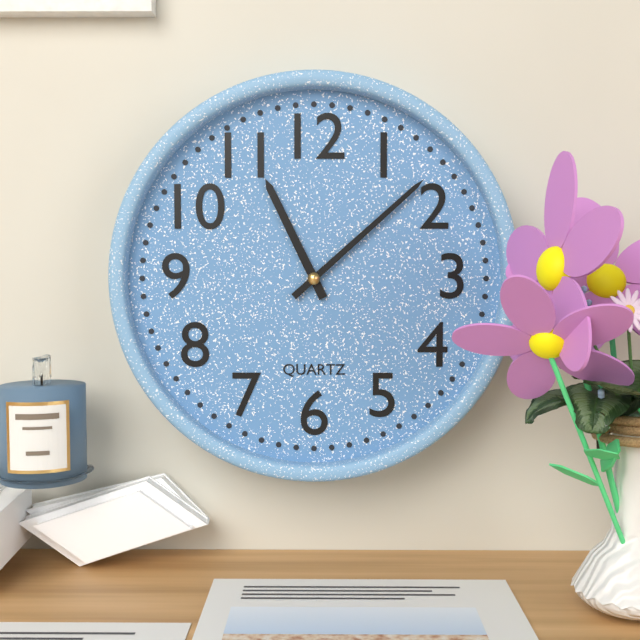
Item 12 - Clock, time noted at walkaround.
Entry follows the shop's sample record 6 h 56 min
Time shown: 11 h 08 min
